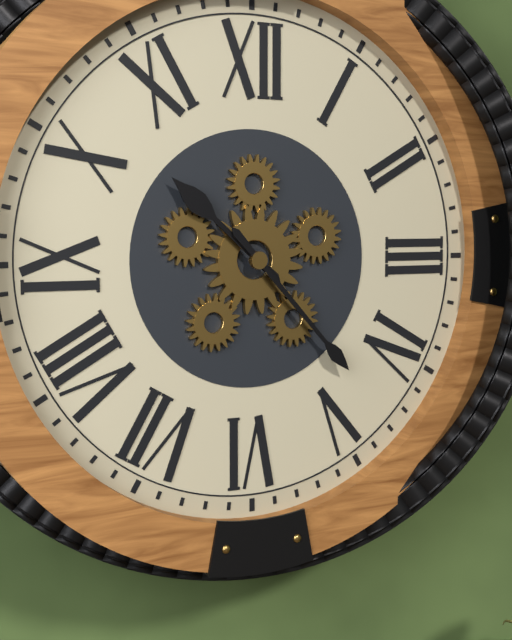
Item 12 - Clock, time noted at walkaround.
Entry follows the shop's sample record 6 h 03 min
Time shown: 10 h 23 min
